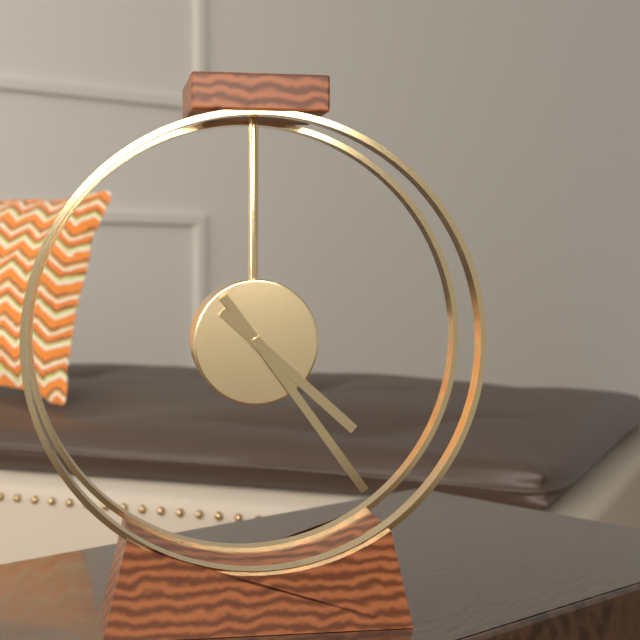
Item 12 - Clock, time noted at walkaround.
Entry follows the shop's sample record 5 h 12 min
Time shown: 4 h 24 min
